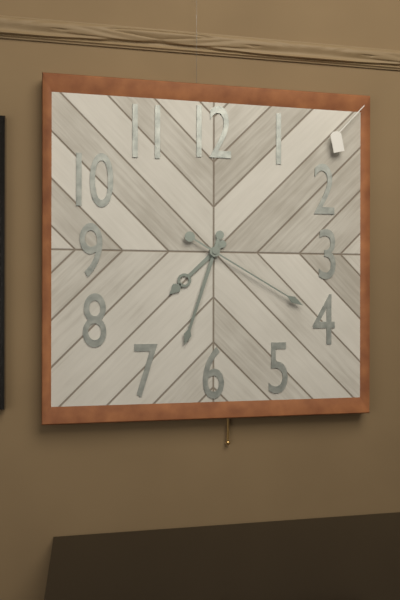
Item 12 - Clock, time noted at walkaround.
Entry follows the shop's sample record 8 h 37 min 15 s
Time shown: 7 h 33 min 20 s
